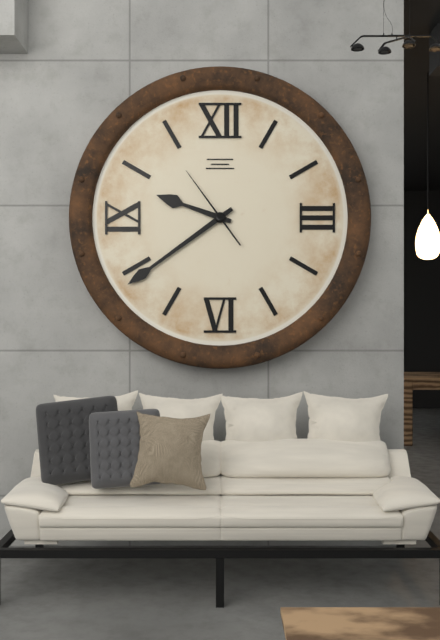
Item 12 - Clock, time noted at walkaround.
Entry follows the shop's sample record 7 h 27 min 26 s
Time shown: 9 h 39 min 54 s
